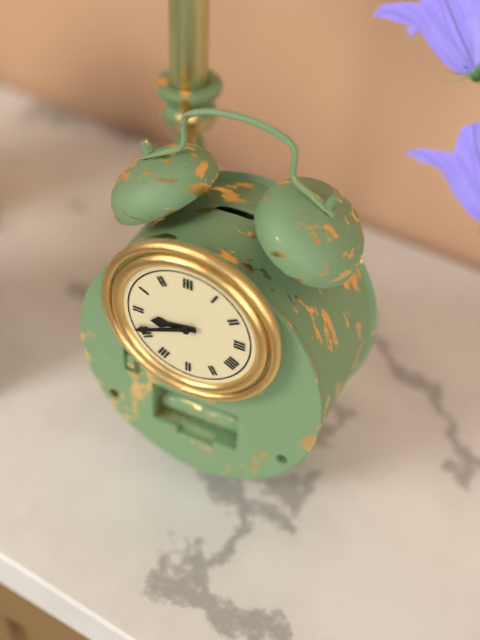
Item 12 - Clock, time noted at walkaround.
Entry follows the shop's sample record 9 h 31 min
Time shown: 8 h 41 min
